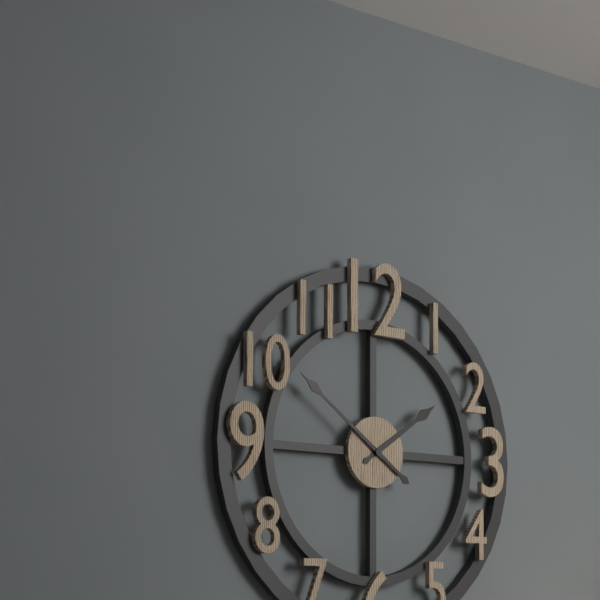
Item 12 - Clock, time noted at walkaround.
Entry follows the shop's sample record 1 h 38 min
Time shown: 1 h 51 min
